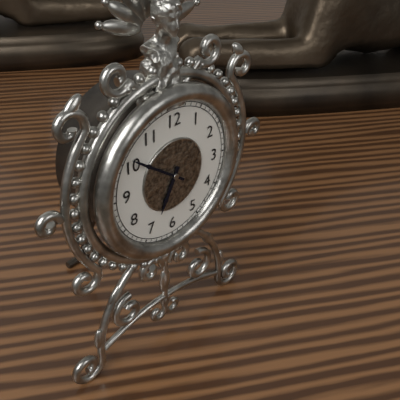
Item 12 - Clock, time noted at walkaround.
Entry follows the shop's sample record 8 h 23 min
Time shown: 6 h 51 min
